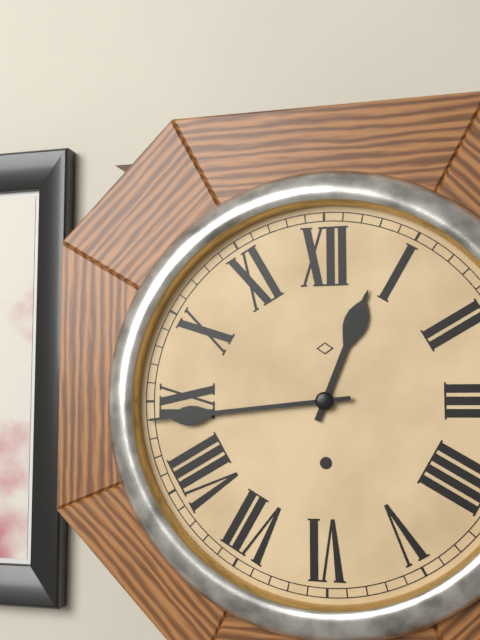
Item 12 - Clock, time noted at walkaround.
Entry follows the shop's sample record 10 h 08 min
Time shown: 12 h 44 min
